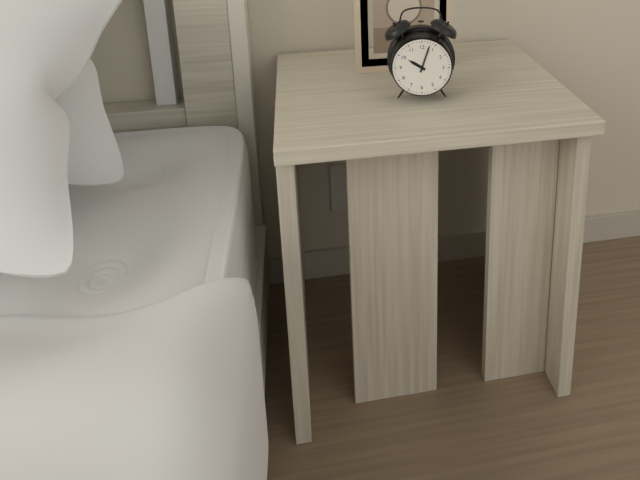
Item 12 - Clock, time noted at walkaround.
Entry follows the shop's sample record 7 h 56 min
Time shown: 10 h 03 min
